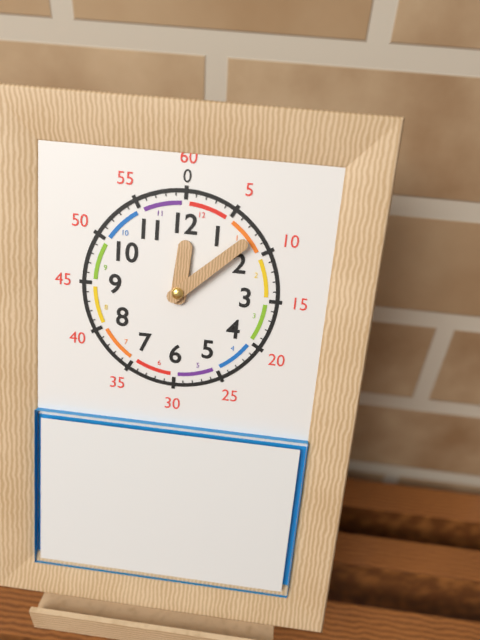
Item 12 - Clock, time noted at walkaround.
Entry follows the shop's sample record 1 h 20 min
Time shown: 12 h 08 min
